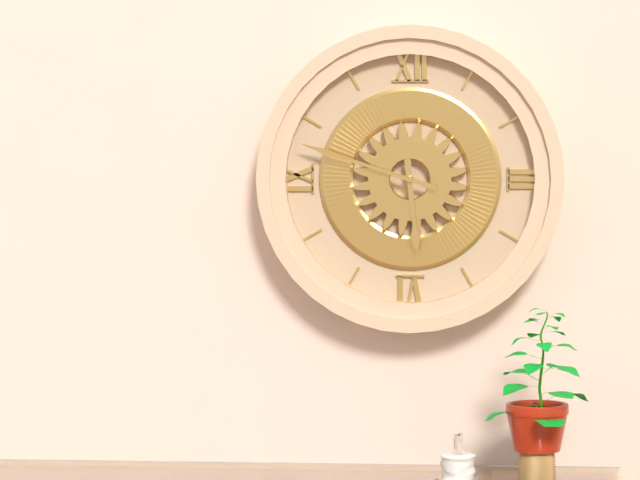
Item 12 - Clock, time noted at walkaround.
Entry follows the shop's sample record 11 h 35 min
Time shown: 5 h 48 min
